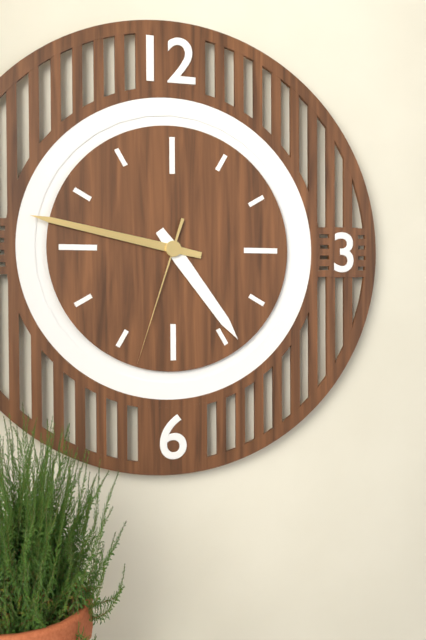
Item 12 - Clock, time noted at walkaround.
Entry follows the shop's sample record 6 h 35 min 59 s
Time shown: 4 h 47 min 33 s
